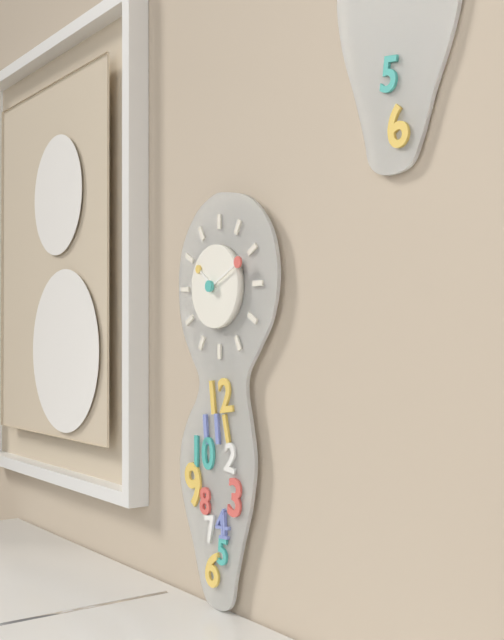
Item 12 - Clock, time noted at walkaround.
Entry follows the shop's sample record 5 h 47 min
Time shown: 10 h 11 min
